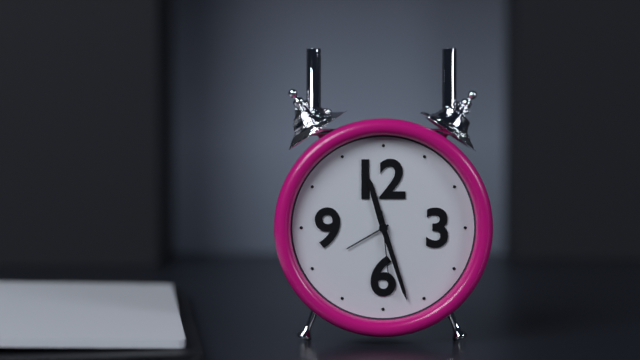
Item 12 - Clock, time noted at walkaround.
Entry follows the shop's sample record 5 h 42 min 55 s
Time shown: 11 h 27 min 29 s
